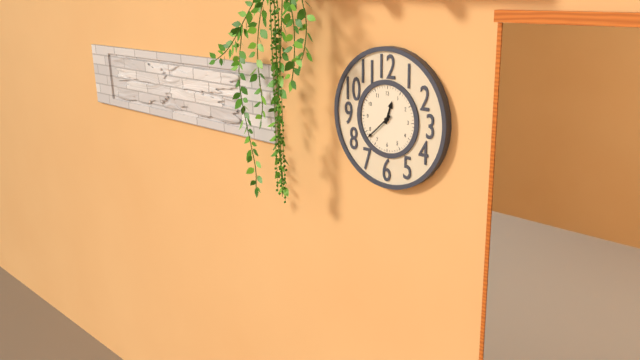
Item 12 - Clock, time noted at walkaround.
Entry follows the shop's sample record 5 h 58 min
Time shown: 12 h 38 min
